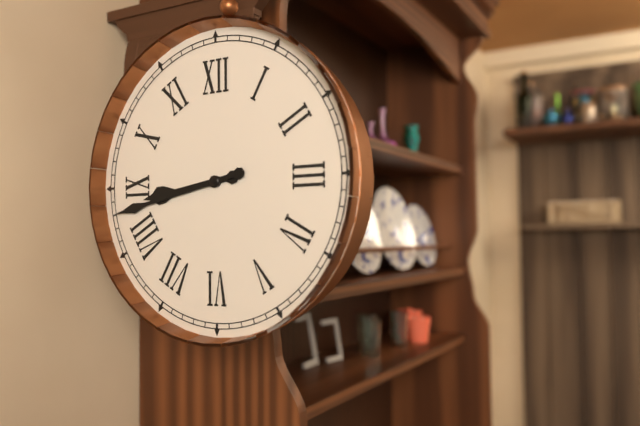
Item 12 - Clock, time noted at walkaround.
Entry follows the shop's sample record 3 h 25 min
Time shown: 8 h 43 min
